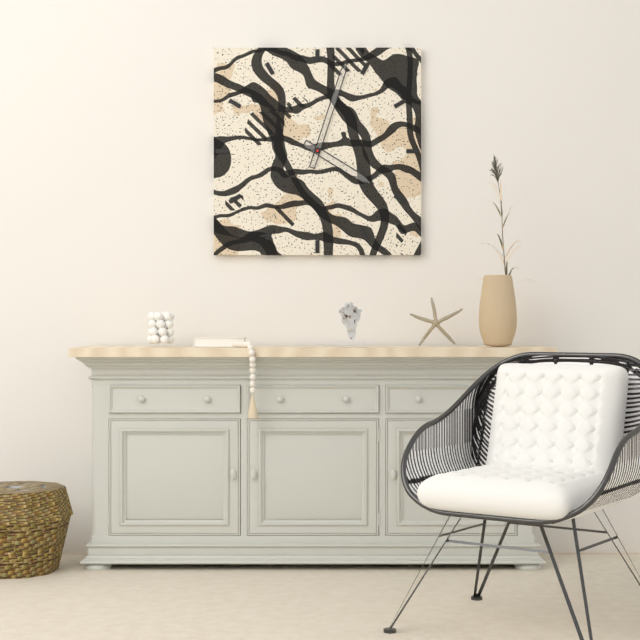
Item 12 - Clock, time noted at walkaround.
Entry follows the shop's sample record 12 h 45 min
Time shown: 4 h 03 min
